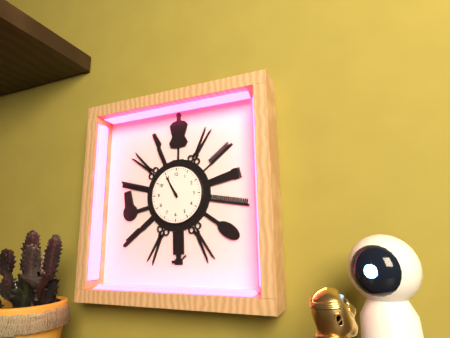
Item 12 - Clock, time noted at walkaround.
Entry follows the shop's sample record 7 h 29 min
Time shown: 10 h 55 min
